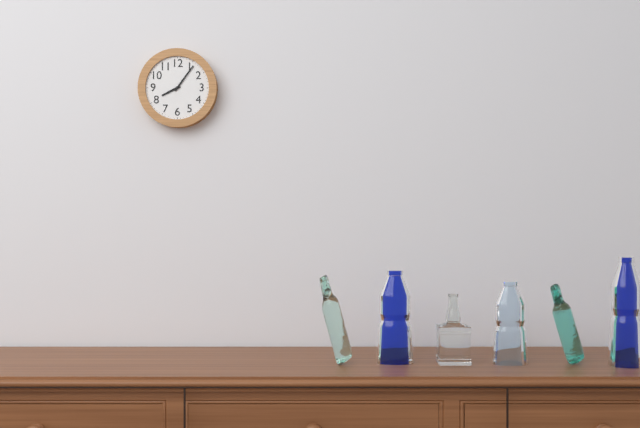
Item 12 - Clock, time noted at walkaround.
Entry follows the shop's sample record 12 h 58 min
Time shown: 8 h 06 min
